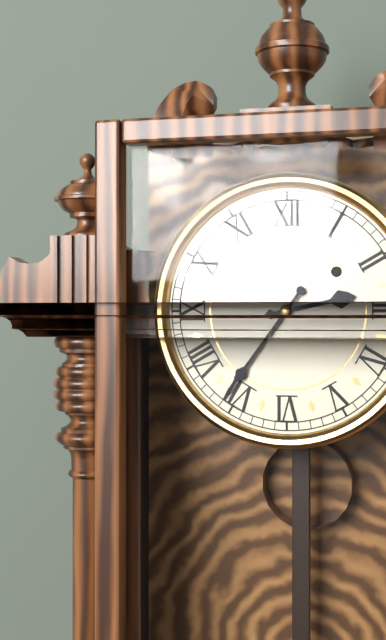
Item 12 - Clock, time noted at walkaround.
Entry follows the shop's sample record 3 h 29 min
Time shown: 2 h 36 min
